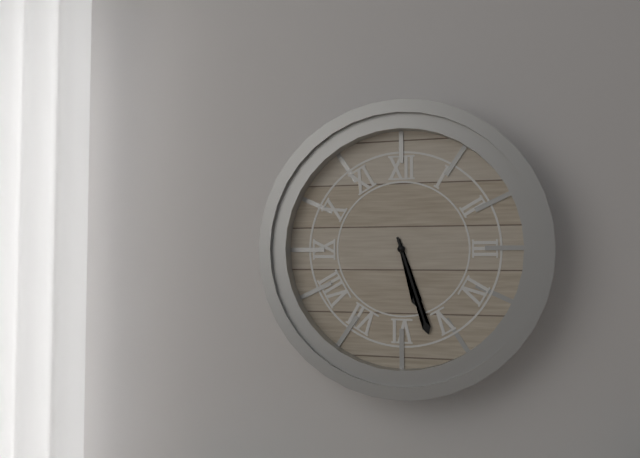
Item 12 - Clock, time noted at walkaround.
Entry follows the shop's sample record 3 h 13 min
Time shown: 5 h 27 min
